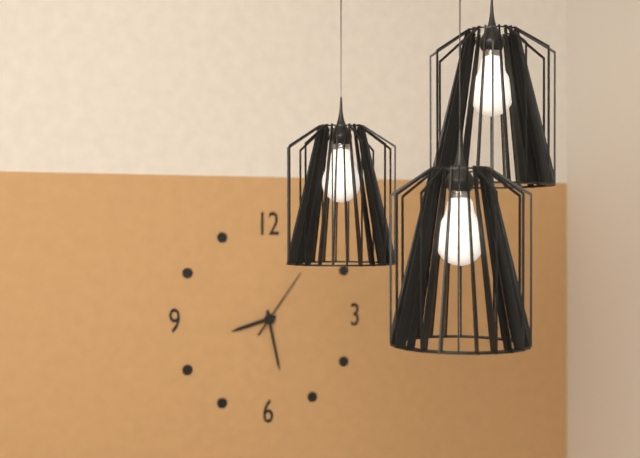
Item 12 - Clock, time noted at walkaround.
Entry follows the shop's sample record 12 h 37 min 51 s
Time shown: 8 h 28 min 06 s
